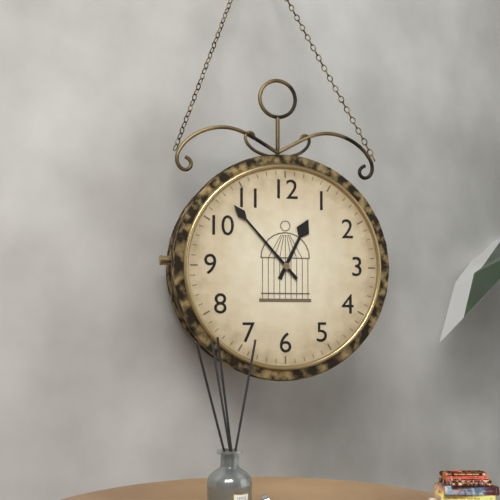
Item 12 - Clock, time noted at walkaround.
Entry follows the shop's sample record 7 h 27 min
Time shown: 12 h 53 min
